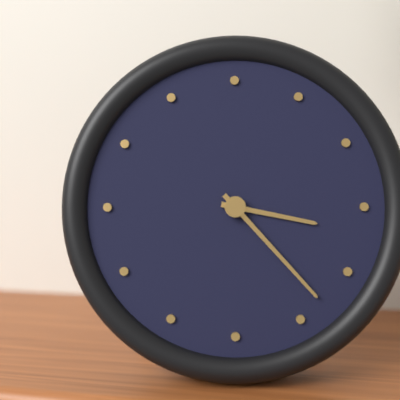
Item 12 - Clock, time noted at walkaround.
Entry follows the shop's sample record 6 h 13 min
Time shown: 3 h 23 min
